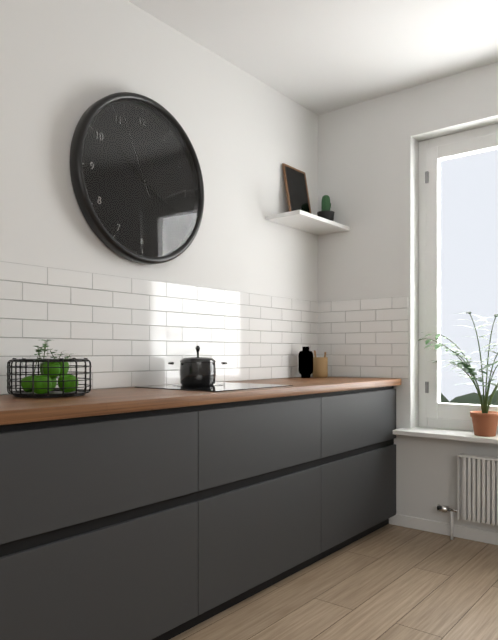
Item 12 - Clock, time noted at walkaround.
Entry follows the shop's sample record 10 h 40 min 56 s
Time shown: 10 h 19 min 56 s
